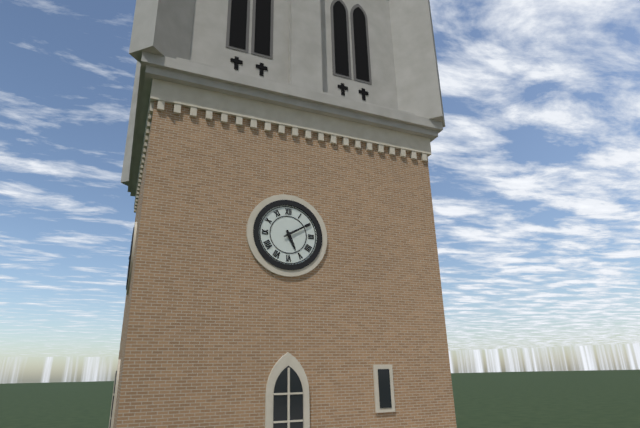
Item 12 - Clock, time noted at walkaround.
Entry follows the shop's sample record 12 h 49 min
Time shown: 5 h 10 min
